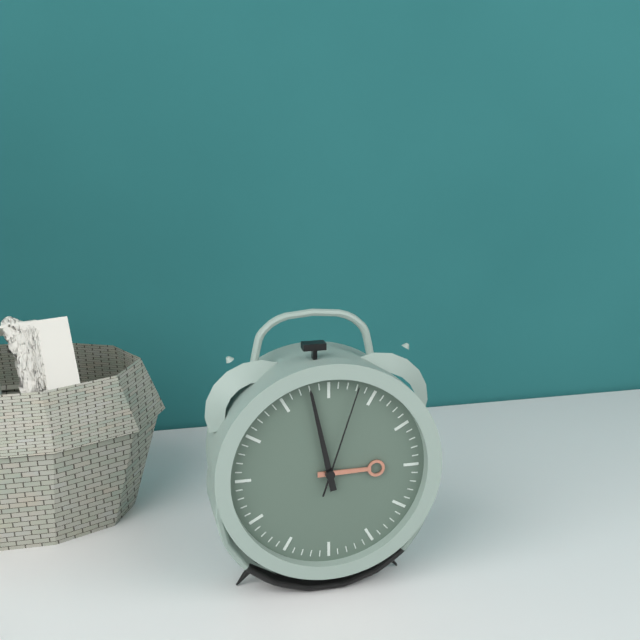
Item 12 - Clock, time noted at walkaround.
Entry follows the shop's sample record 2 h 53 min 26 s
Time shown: 2 h 58 min 03 s
